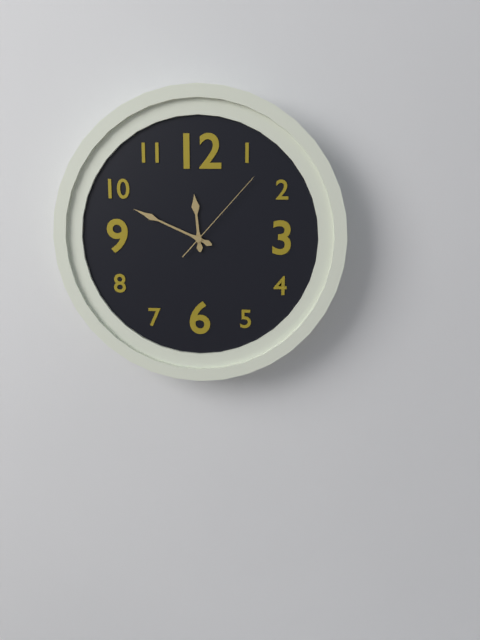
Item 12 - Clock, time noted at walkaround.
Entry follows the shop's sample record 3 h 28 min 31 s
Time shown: 11 h 49 min 07 s
